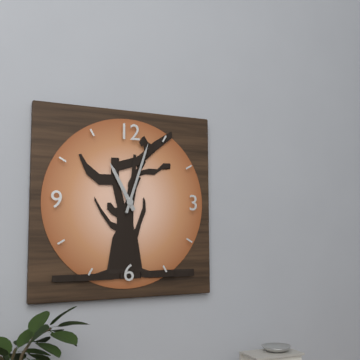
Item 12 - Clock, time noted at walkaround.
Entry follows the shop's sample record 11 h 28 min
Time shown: 11 h 03 min
